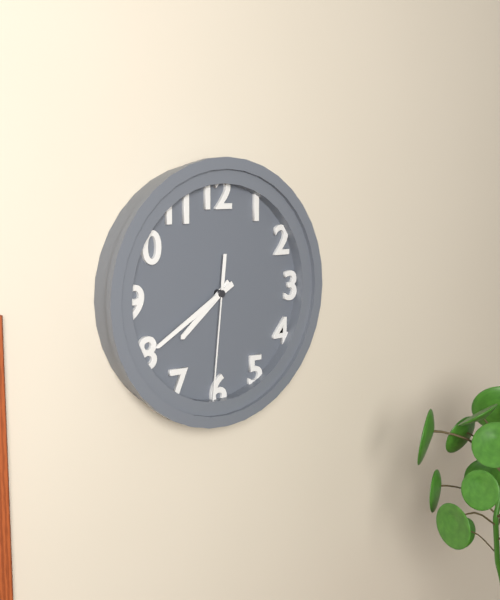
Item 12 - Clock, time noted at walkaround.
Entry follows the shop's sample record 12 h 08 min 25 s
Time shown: 7 h 40 min 31 s
